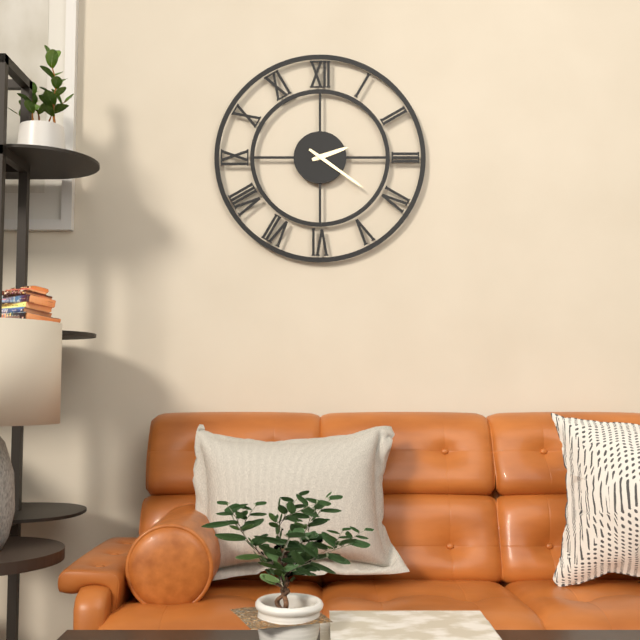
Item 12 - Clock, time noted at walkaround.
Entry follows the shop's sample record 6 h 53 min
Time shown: 2 h 21 min
